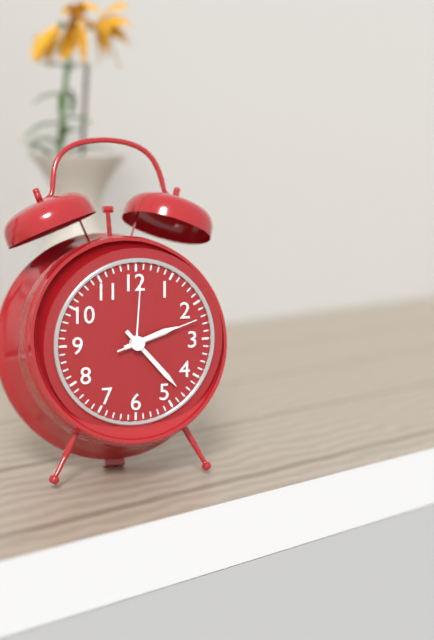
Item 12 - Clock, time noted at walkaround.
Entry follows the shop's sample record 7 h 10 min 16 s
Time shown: 2 h 23 min 12 s
